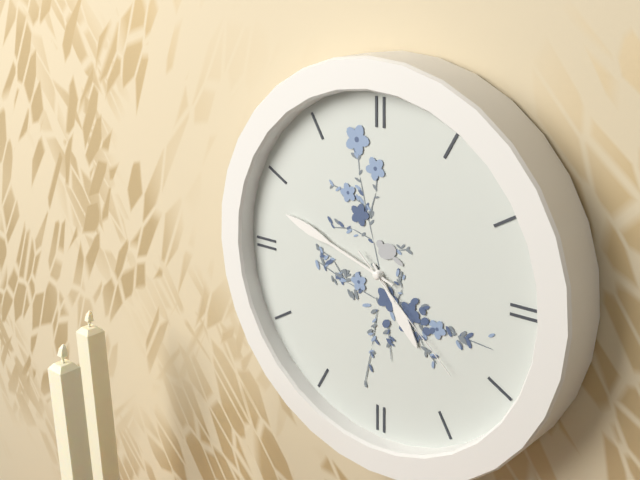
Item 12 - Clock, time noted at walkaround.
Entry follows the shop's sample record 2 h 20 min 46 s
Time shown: 4 h 48 min 22 s
